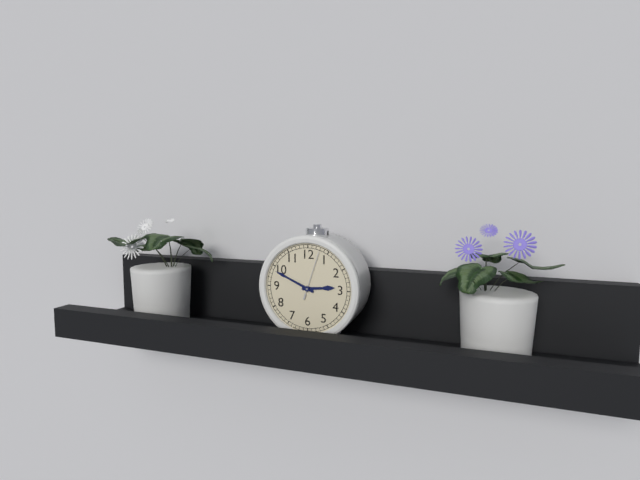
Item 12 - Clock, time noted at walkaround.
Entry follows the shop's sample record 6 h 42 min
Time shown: 2 h 49 min
